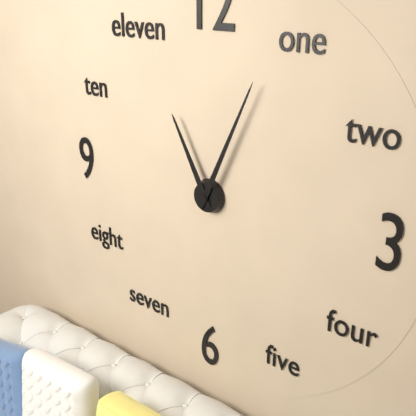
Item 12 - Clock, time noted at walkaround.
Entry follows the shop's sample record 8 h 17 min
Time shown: 11 h 04 min
